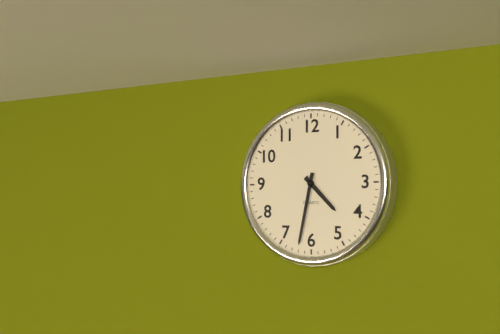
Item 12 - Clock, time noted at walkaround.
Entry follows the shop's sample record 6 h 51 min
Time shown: 4 h 32 min
